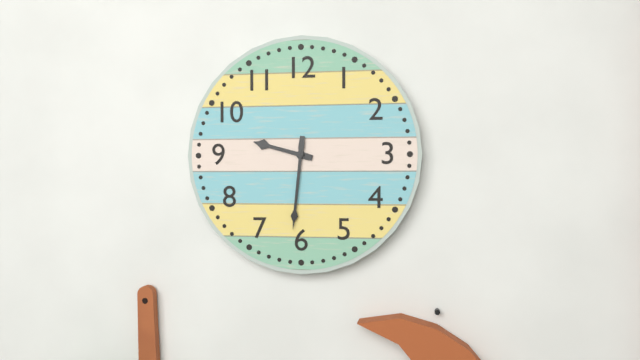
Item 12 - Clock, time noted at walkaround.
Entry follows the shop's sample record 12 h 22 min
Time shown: 9 h 31 min
